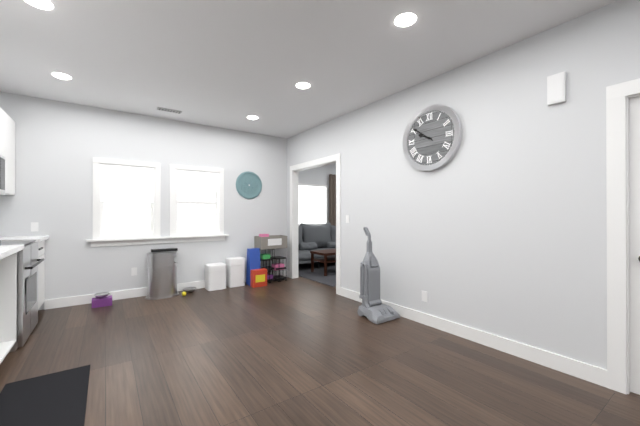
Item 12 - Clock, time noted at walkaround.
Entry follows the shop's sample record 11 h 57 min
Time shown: 9 h 51 min
